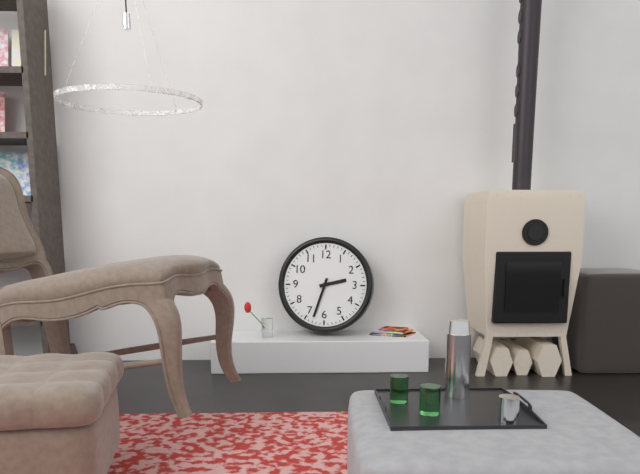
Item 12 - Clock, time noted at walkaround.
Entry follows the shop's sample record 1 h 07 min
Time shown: 2 h 33 min
